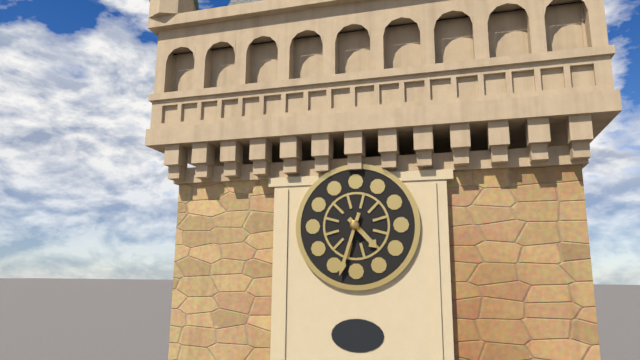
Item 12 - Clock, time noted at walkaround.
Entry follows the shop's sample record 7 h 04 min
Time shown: 4 h 33 min
